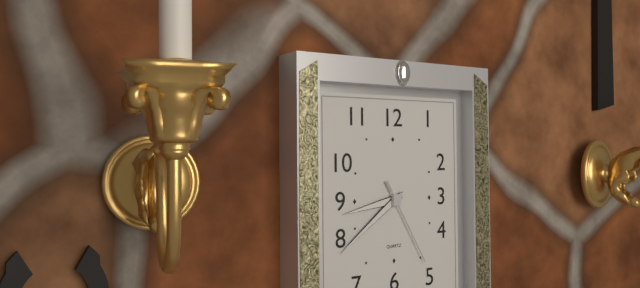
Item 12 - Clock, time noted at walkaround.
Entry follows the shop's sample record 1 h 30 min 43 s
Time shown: 8 h 39 min 25 s
